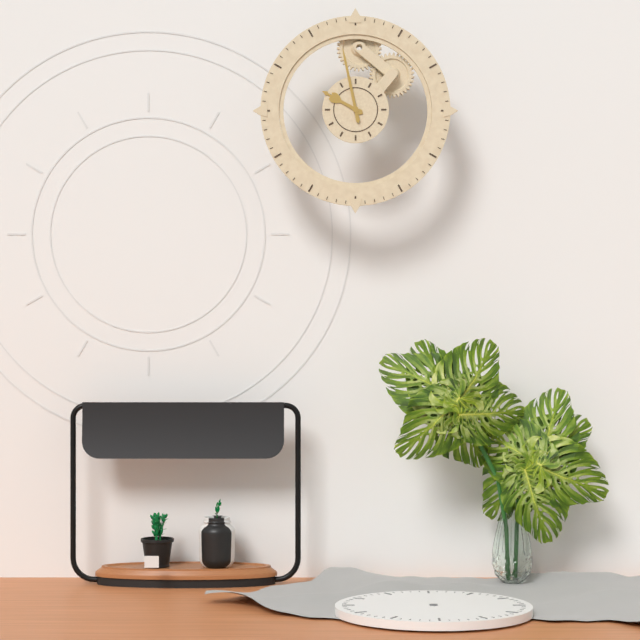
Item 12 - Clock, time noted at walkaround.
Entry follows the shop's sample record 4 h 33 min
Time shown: 9 h 58 min
